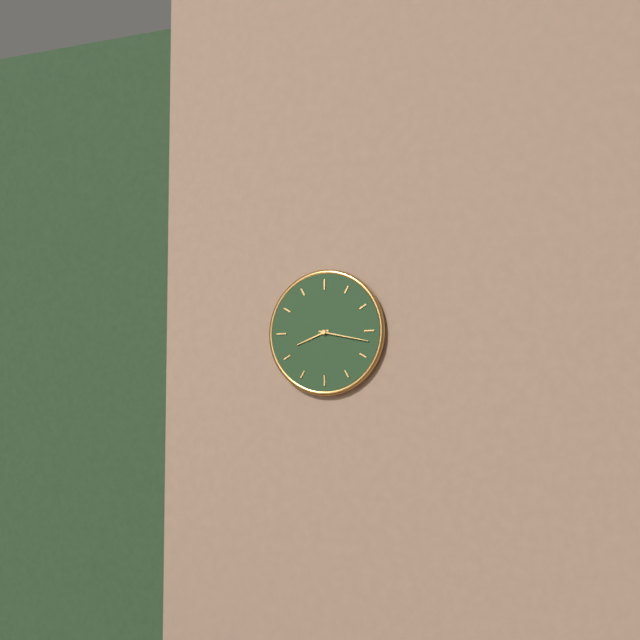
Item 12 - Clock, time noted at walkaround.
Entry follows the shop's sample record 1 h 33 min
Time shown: 8 h 17 min
